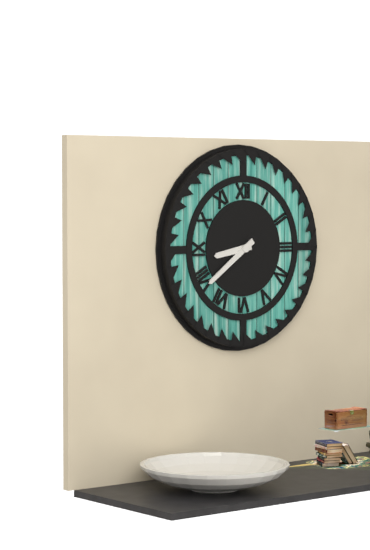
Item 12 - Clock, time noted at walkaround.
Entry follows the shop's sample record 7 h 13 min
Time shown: 8 h 39 min
